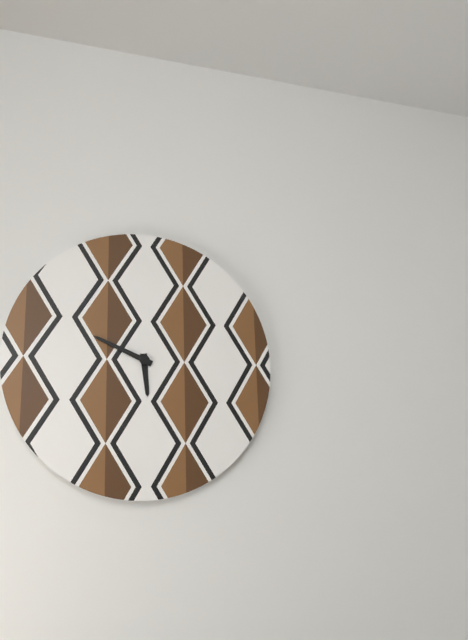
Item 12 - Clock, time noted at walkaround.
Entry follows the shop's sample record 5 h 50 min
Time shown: 5 h 49 min
